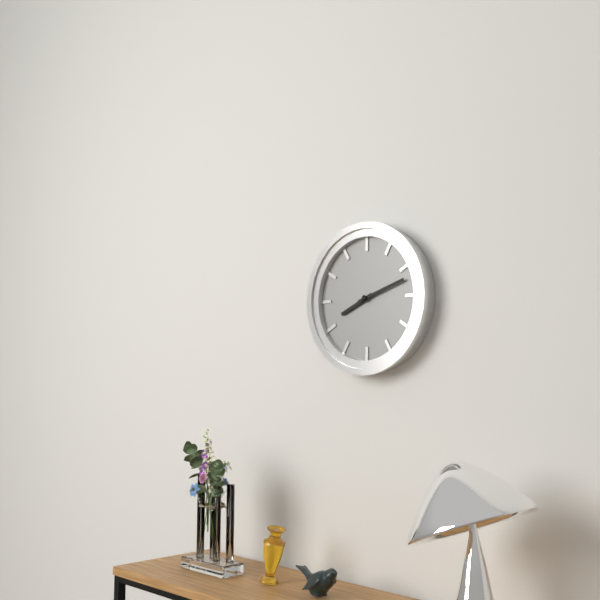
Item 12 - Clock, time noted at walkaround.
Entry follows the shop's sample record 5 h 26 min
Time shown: 8 h 12 min
